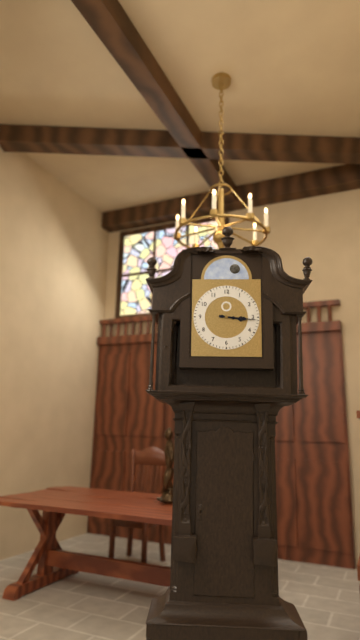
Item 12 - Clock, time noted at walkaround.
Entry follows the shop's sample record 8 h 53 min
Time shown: 3 h 16 min
